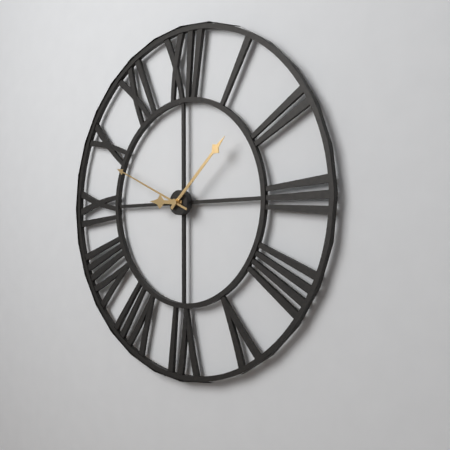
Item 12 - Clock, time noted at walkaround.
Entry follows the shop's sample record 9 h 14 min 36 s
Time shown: 9 h 08 min 49 s
